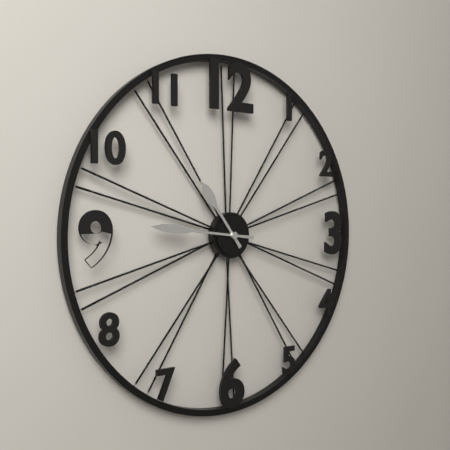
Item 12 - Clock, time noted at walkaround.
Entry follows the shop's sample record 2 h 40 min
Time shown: 10 h 46 min
